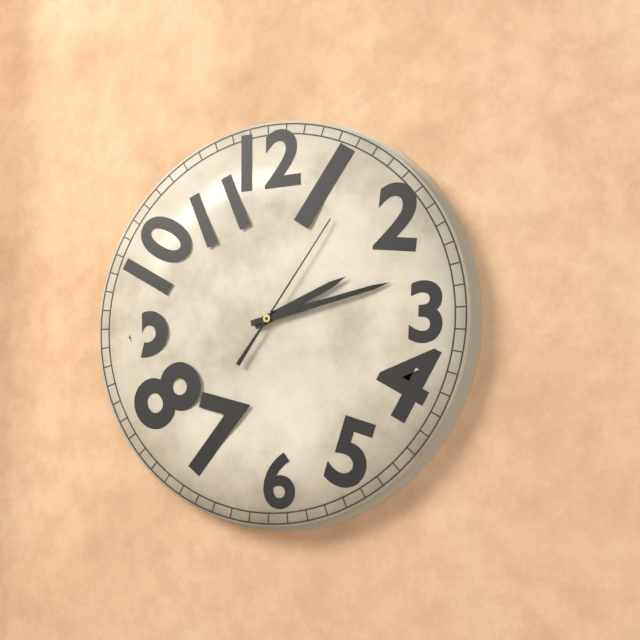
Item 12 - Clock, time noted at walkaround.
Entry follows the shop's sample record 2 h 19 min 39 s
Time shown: 2 h 13 min 06 s
